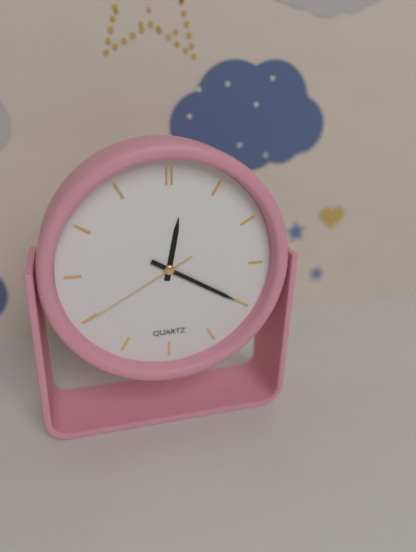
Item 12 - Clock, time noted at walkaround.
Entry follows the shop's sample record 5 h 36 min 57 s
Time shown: 12 h 20 min 40 s
